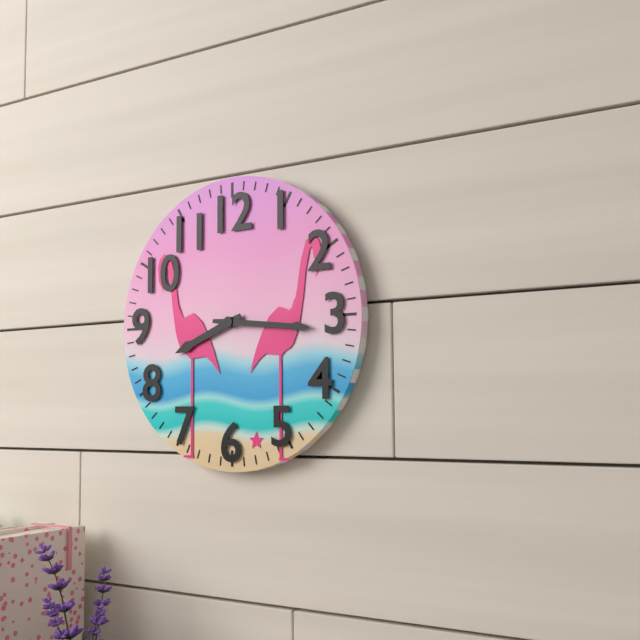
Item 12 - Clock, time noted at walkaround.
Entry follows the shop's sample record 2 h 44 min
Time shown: 8 h 16 min
